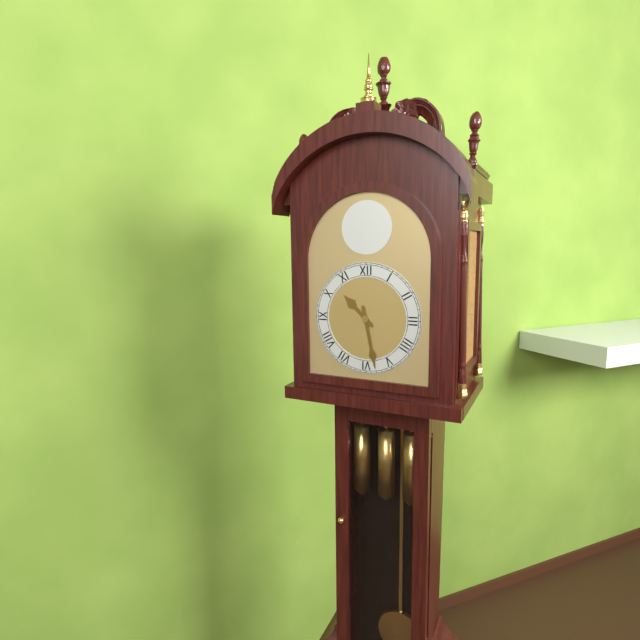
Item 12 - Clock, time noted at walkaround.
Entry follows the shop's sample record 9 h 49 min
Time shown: 10 h 28 min
